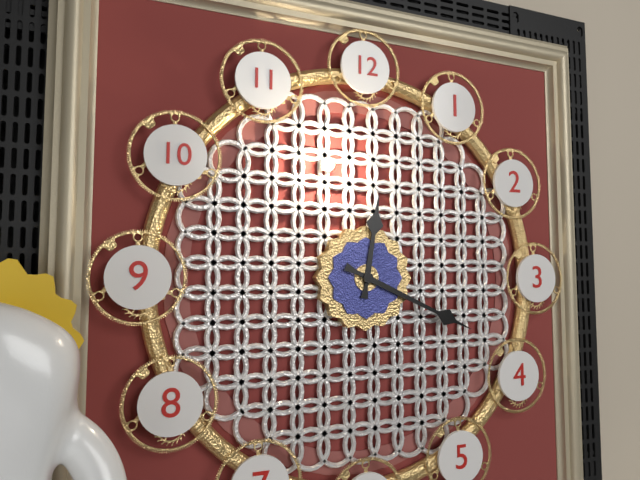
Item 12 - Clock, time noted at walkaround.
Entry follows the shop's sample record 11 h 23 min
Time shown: 12 h 19 min
